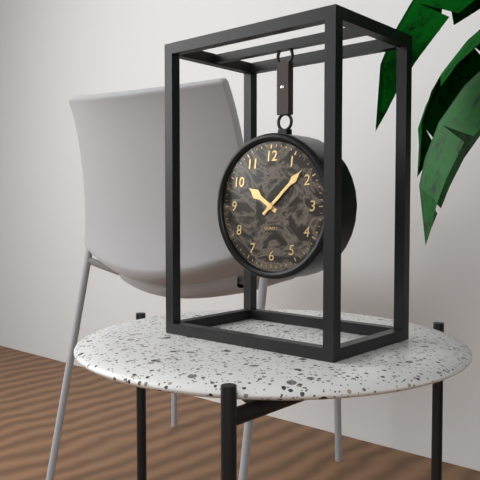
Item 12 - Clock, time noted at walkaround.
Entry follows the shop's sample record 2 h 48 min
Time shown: 10 h 08 min
